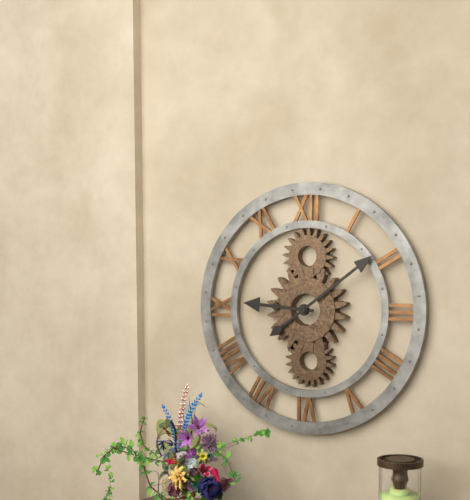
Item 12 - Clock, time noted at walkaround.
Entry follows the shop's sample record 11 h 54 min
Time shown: 9 h 09 min
